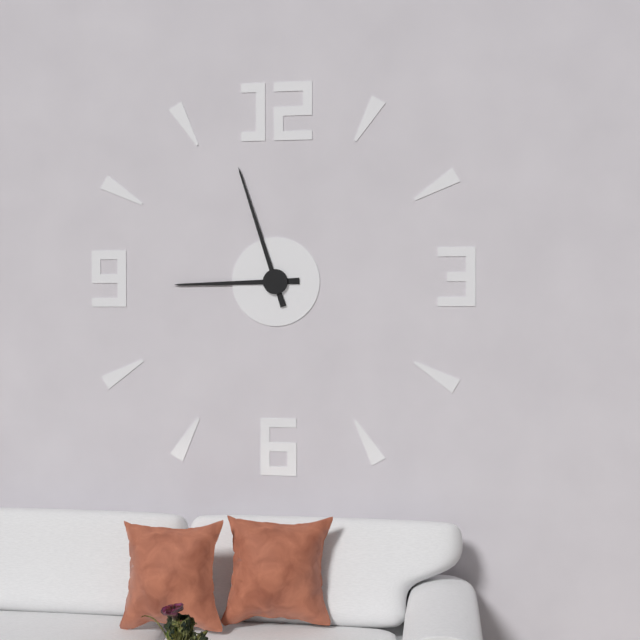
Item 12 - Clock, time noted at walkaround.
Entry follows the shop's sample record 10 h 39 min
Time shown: 8 h 57 min
